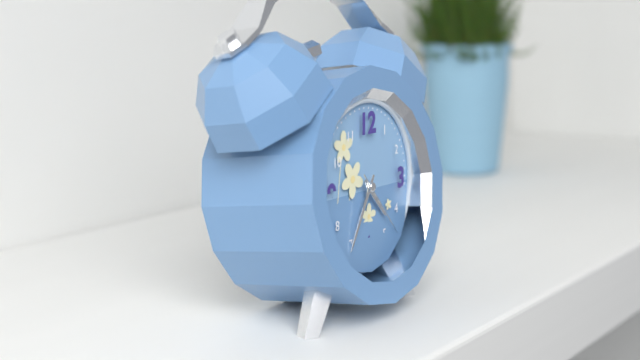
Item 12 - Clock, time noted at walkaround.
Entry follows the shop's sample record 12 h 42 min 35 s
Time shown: 4 h 35 min 23 s
